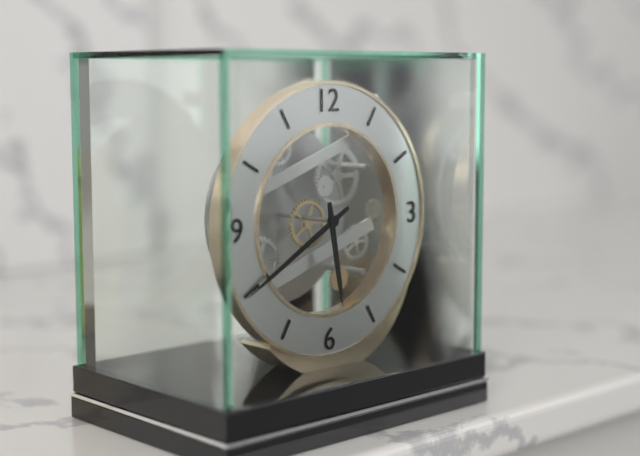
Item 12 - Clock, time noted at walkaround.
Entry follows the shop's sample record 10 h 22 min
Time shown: 5 h 40 min
